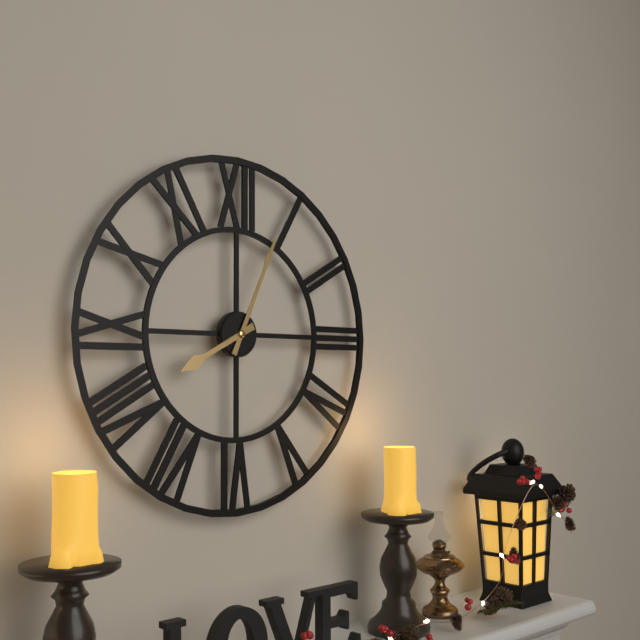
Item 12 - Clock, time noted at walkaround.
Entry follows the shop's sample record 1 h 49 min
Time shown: 8 h 04 min
